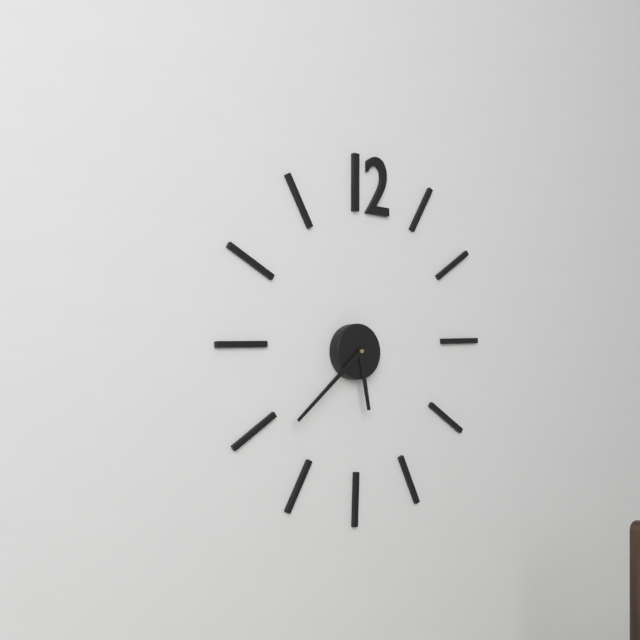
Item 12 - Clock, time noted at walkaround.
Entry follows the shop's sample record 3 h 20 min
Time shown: 5 h 38 min
